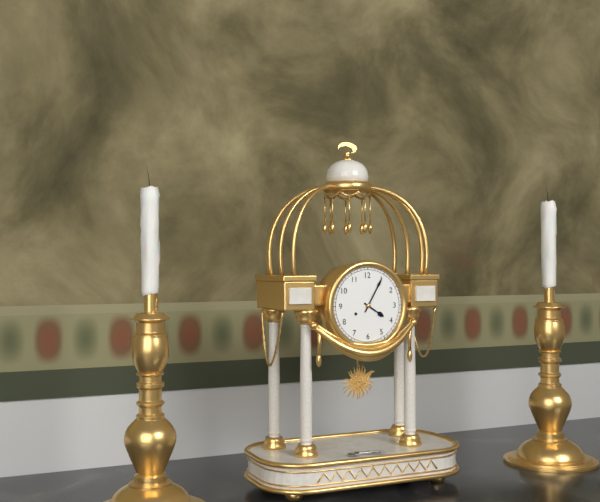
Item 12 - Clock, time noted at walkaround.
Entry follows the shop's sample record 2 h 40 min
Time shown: 4 h 05 min
